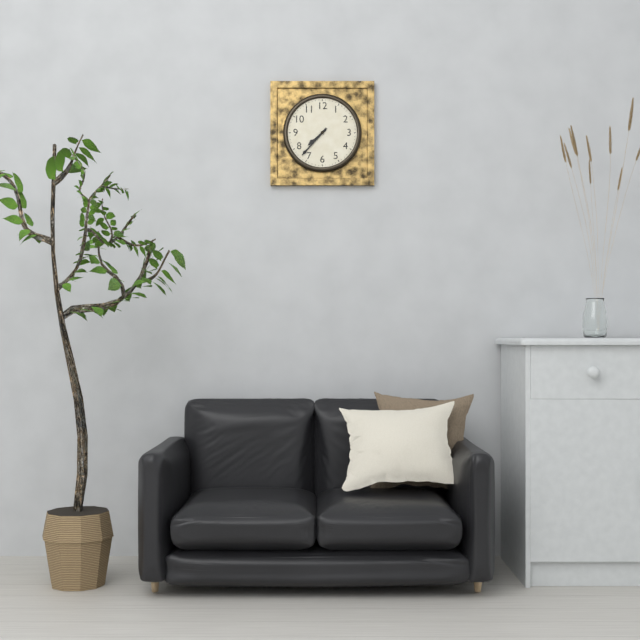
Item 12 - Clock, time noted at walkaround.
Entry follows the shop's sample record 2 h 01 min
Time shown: 7 h 37 min
